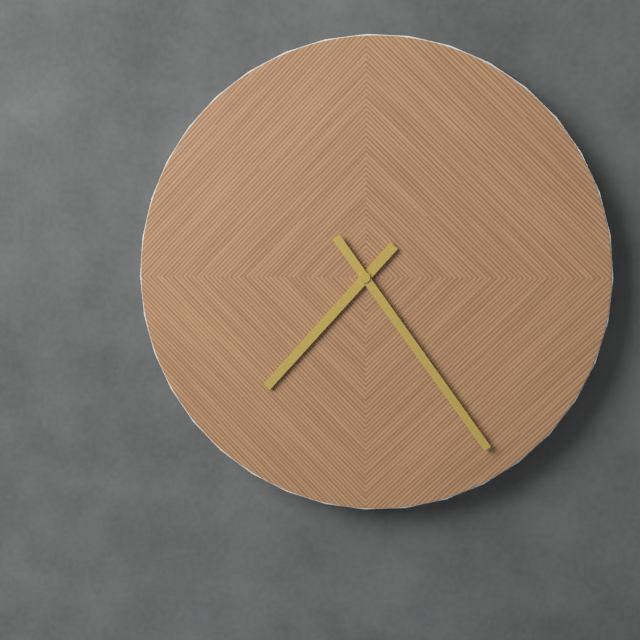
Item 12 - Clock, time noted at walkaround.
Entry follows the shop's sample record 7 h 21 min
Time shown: 7 h 24 min
